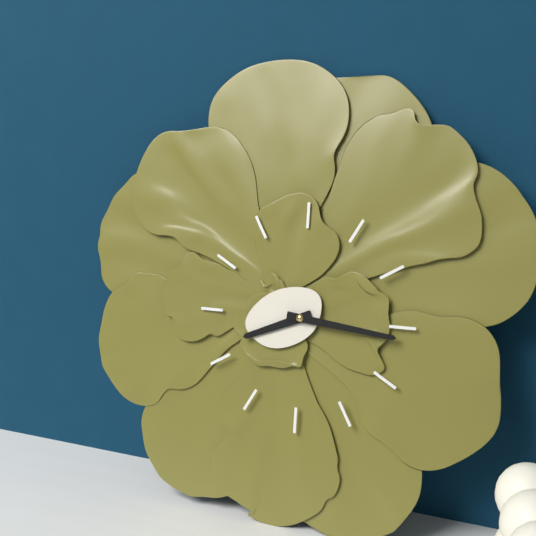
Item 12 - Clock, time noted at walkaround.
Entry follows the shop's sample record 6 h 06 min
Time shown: 8 h 16 min
